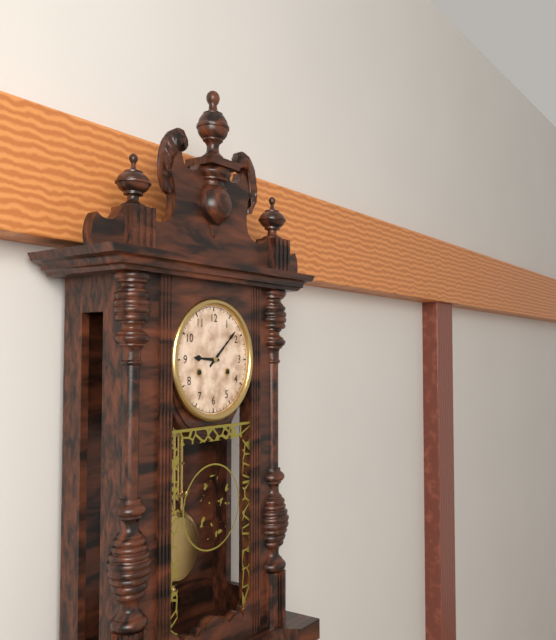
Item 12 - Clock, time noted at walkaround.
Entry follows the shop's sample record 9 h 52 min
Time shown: 9 h 08 min
